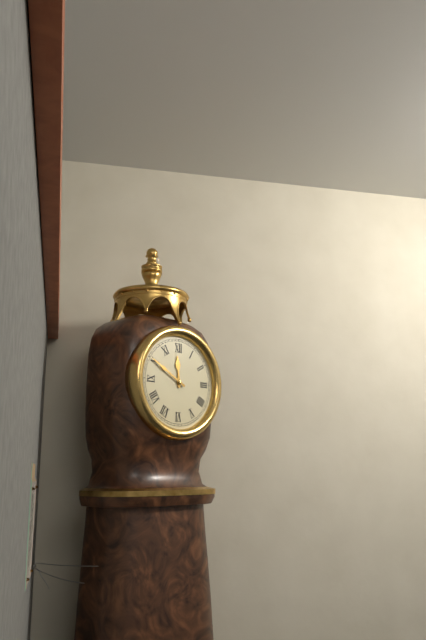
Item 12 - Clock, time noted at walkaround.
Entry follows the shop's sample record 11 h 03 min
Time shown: 11 h 50 min
